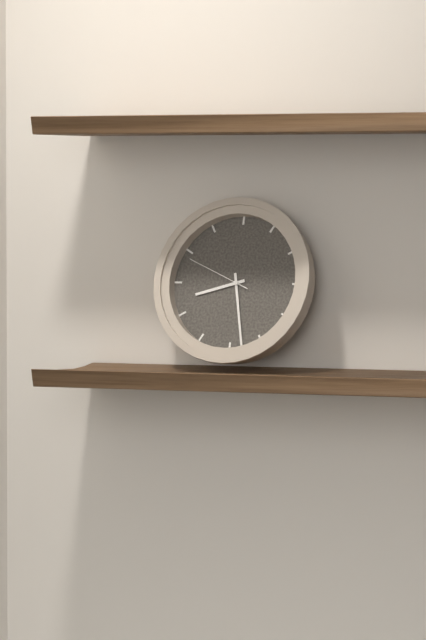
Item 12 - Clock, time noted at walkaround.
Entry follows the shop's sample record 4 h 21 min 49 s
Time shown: 8 h 28 min 49 s
